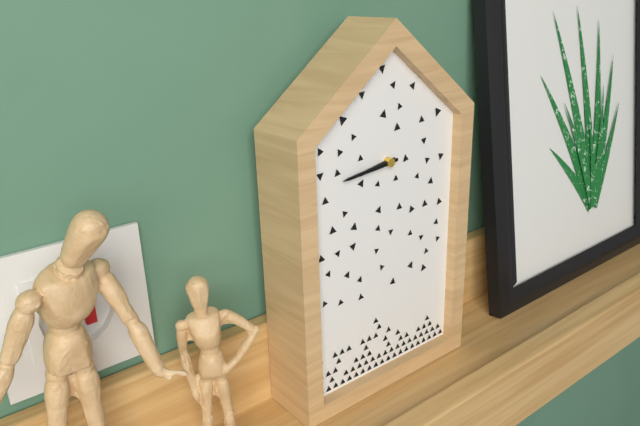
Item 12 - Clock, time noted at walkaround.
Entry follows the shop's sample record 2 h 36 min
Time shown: 8 h 44 min
